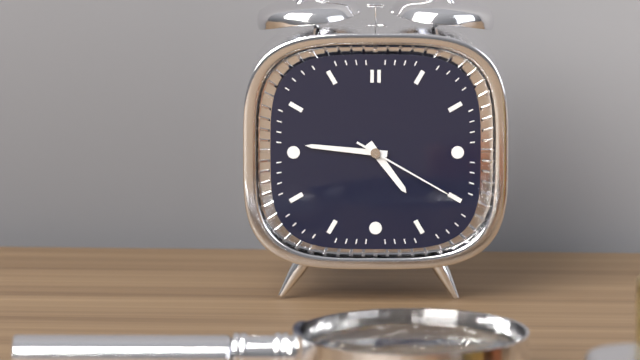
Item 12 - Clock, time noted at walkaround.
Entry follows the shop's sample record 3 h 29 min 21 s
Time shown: 4 h 46 min 20 s
